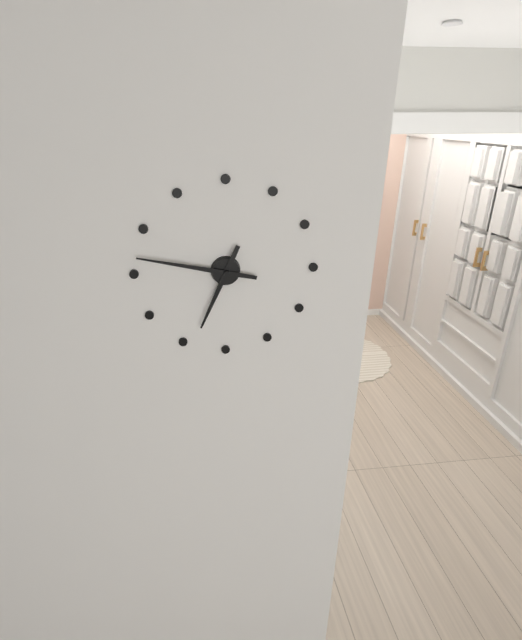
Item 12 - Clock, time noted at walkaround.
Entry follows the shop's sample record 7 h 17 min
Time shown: 6 h 47 min
